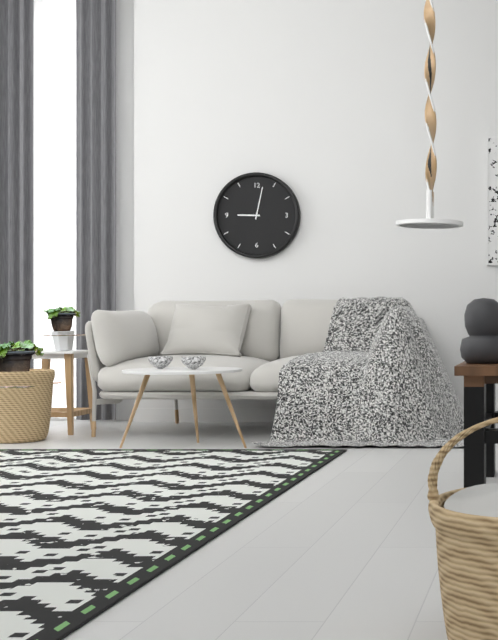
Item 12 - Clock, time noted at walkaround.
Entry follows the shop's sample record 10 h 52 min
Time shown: 9 h 02 min
